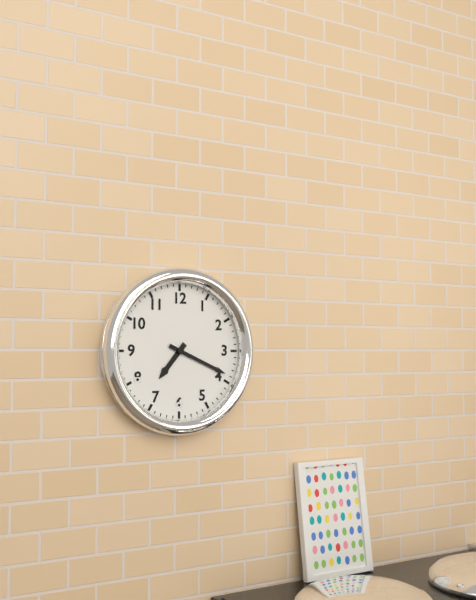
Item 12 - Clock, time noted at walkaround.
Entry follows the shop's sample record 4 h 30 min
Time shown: 7 h 19 min
